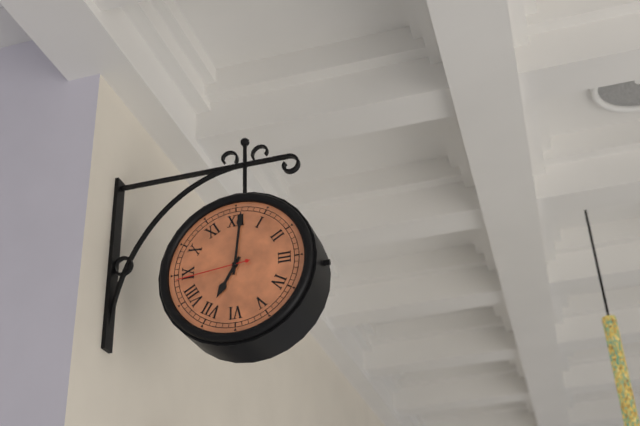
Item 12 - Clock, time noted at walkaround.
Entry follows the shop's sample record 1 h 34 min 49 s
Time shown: 7 h 01 min 44 s
